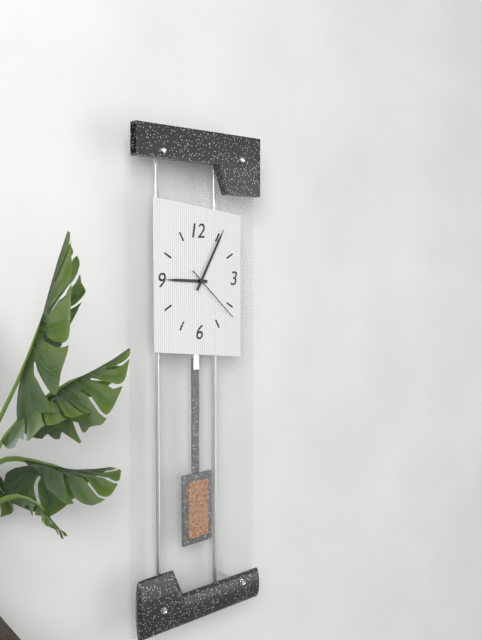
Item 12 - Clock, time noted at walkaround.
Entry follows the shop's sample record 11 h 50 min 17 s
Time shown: 9 h 05 min 22 s
